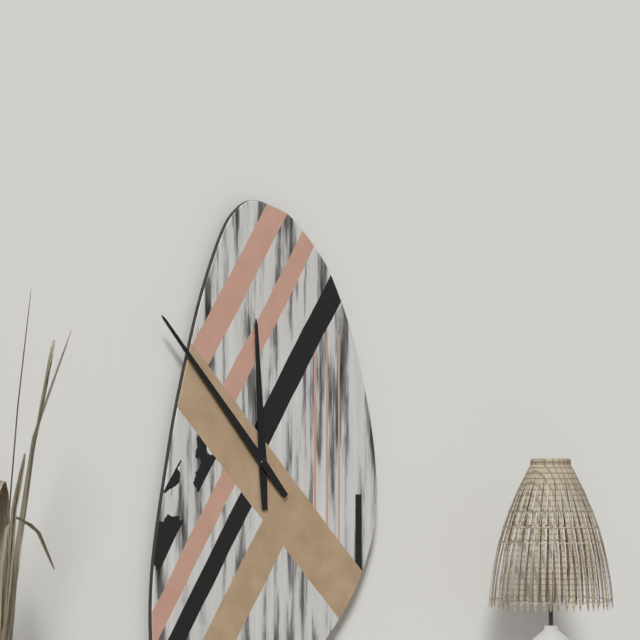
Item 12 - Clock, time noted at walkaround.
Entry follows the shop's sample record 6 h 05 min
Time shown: 11 h 53 min
